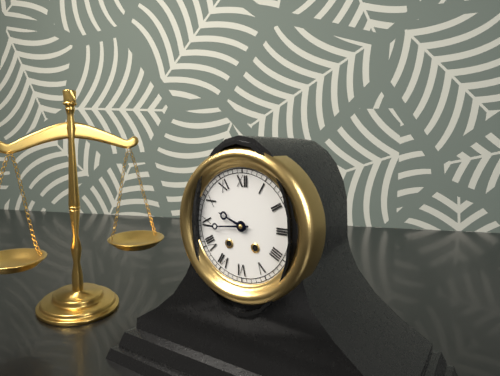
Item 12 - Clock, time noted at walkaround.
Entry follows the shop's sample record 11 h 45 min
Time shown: 9 h 44 min
